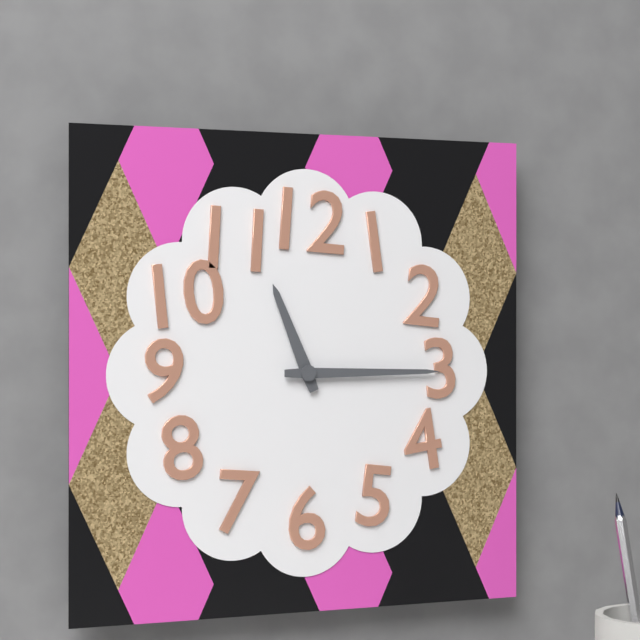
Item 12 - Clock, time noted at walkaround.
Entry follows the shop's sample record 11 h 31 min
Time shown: 11 h 15 min
